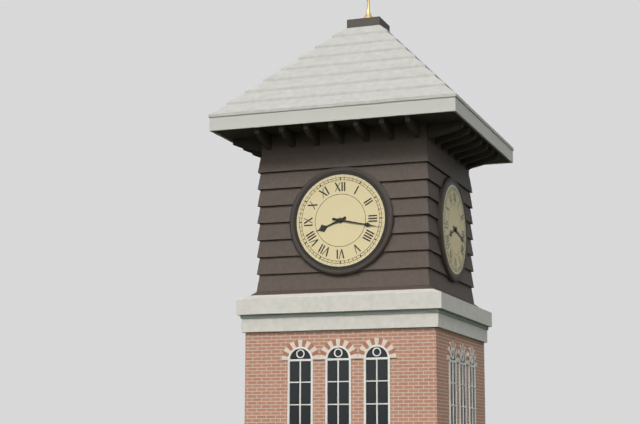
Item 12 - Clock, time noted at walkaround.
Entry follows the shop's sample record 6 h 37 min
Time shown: 8 h 17 min
